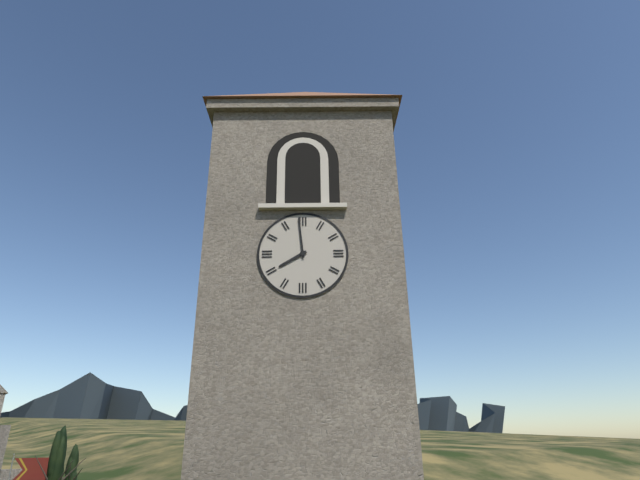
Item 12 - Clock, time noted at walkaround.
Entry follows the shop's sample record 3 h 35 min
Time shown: 7 h 59 min
